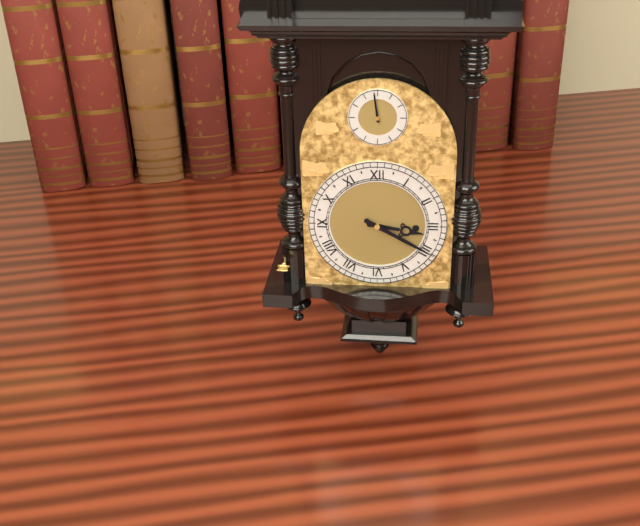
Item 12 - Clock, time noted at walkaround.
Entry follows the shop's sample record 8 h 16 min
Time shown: 3 h 20 min
